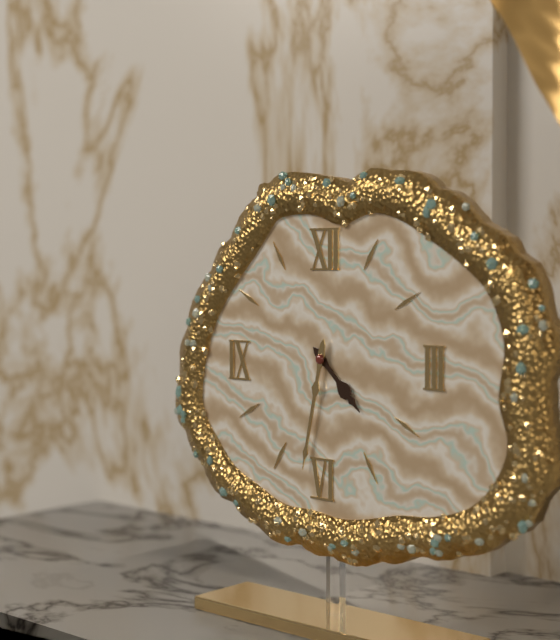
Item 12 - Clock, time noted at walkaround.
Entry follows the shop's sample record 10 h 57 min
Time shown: 4 h 32 min
